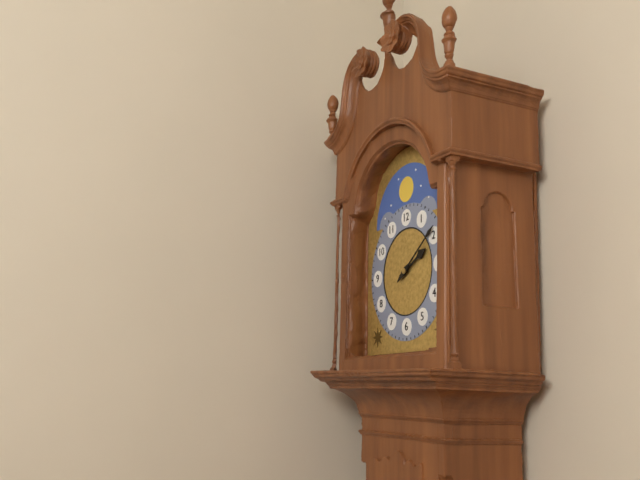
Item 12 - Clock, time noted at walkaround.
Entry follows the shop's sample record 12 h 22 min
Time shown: 2 h 09 min
